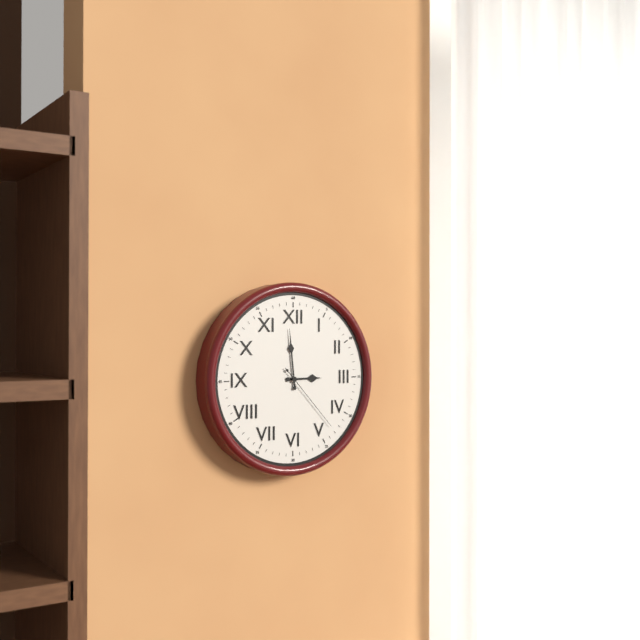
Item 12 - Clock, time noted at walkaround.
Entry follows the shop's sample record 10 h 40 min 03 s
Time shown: 2 h 59 min 23 s
